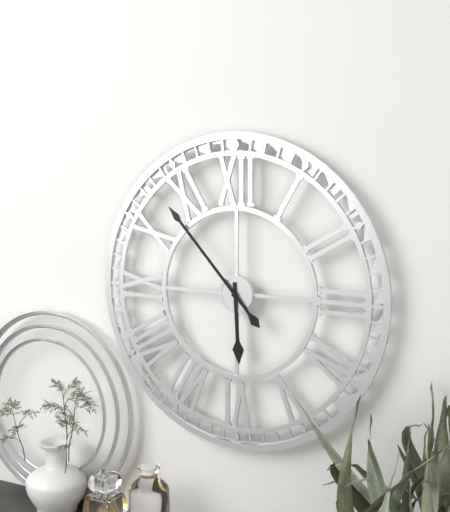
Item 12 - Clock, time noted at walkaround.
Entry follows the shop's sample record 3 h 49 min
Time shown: 5 h 53 min
